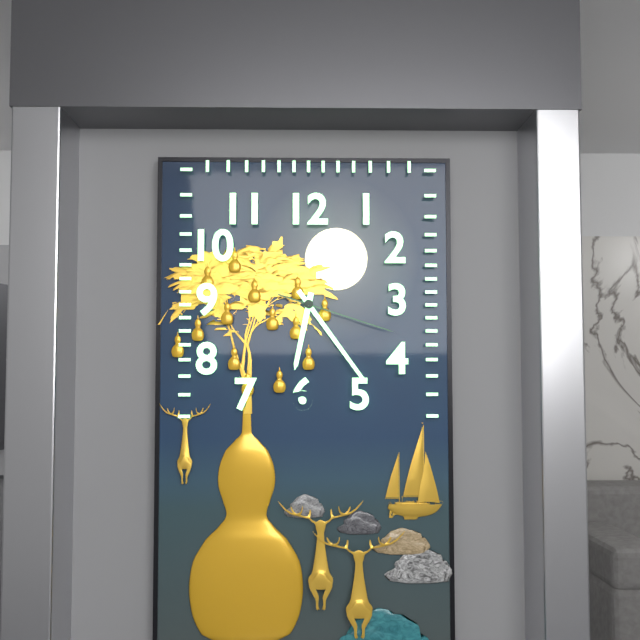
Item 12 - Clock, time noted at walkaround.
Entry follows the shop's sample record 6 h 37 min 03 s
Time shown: 6 h 24 min 18 s
